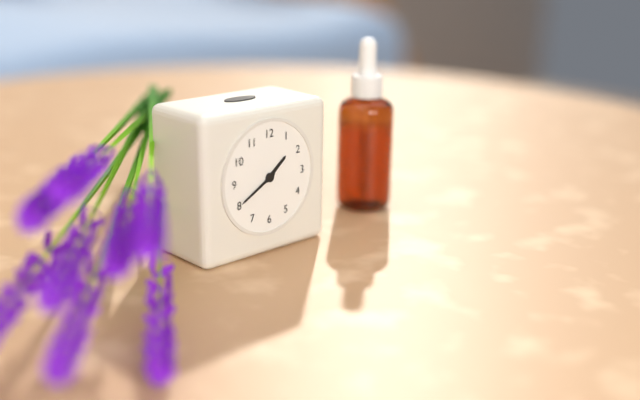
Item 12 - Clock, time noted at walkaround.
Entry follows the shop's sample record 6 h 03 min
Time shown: 1 h 40 min
